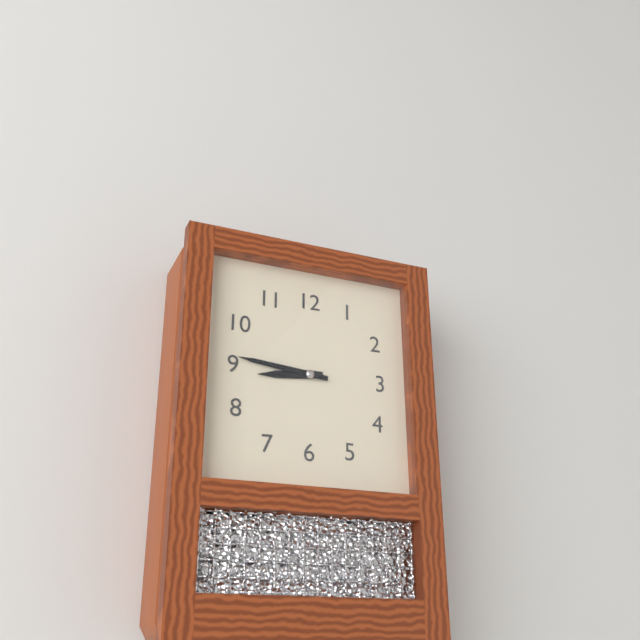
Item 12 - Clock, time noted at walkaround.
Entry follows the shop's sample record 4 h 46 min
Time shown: 8 h 46 min
